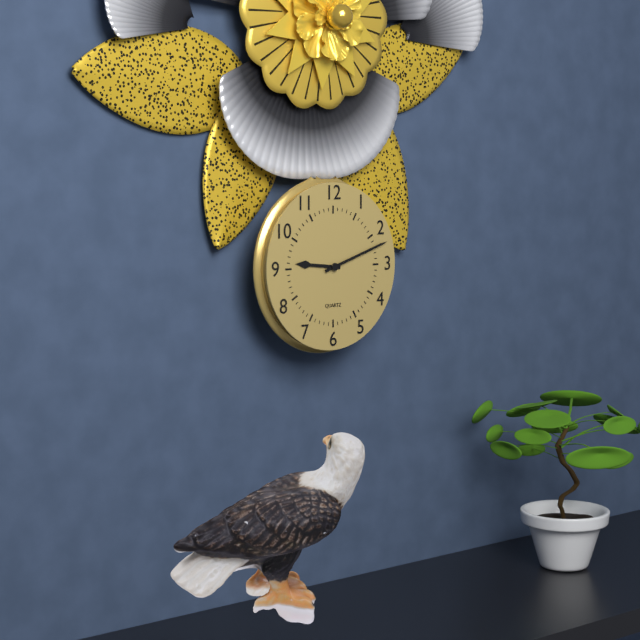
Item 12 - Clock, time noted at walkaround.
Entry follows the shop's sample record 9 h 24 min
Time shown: 9 h 12 min
